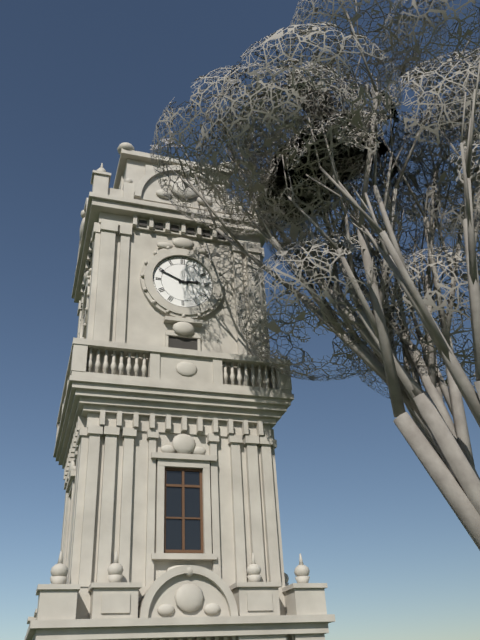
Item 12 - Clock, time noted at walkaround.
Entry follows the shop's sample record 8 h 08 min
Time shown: 2 h 49 min
